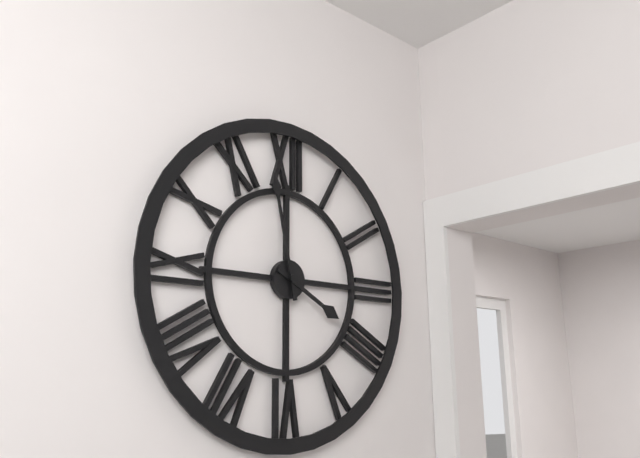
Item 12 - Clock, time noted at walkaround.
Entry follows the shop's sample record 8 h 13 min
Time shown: 3 h 58 min
